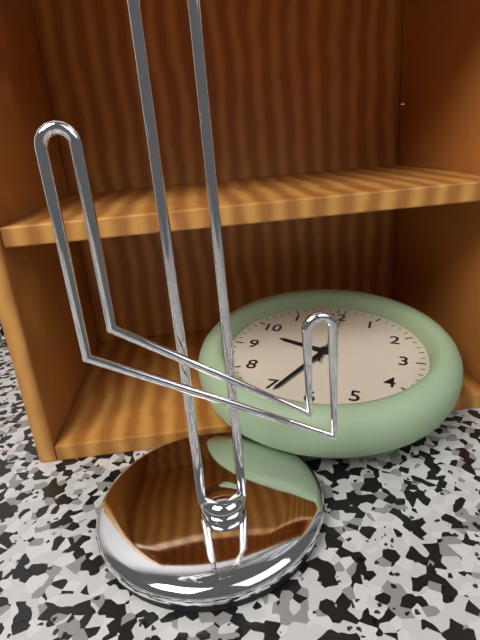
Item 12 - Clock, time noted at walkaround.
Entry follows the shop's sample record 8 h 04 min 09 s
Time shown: 9 h 34 min 01 s
